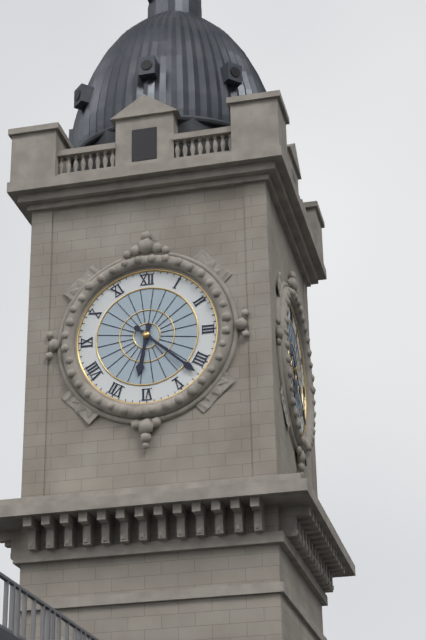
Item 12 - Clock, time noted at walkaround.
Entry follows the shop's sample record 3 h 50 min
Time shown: 6 h 22 min
